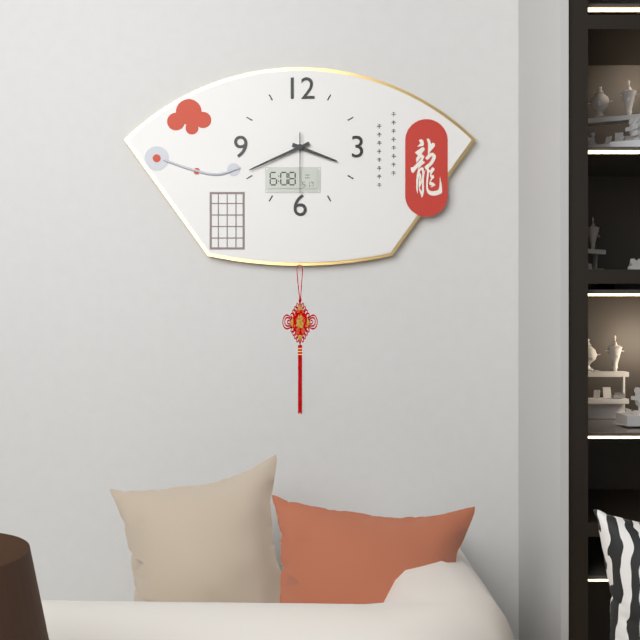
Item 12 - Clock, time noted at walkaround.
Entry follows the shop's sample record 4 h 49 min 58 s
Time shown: 3 h 41 min 30 s
